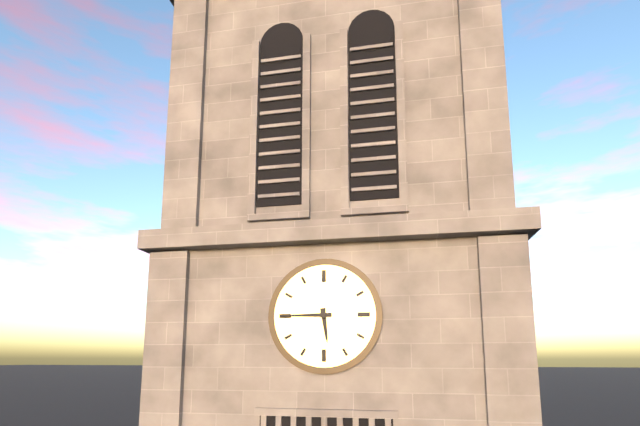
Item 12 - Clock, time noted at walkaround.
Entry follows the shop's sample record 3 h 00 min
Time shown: 5 h 45 min
